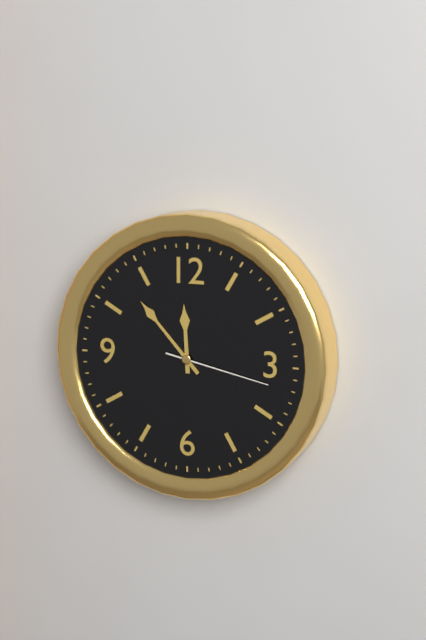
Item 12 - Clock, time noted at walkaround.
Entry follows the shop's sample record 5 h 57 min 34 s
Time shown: 11 h 53 min 17 s
